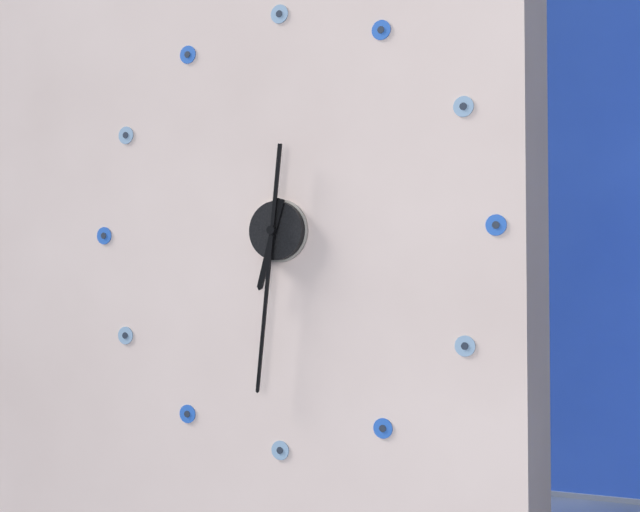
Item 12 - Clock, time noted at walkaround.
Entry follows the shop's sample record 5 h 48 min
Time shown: 6 h 31 min
